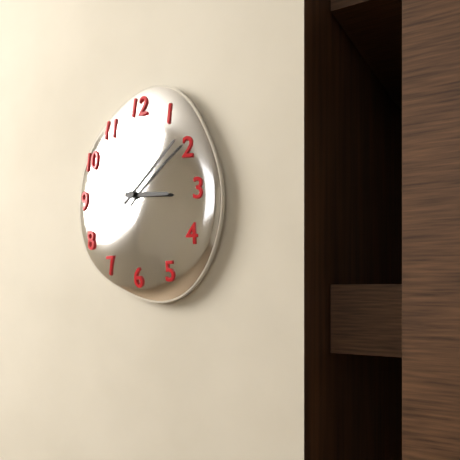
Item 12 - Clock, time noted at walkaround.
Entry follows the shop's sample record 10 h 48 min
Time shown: 3 h 08 min
